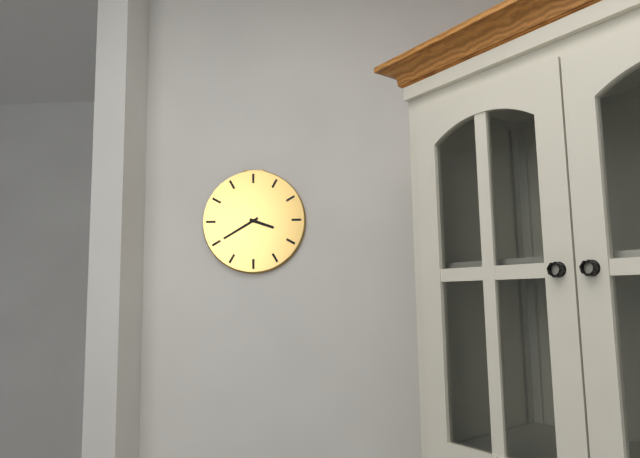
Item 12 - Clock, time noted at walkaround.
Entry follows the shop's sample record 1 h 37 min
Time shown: 3 h 40 min
